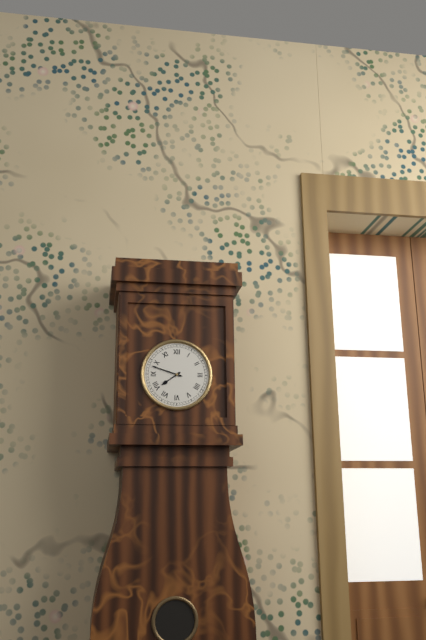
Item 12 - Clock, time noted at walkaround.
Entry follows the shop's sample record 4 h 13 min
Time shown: 7 h 48 min
